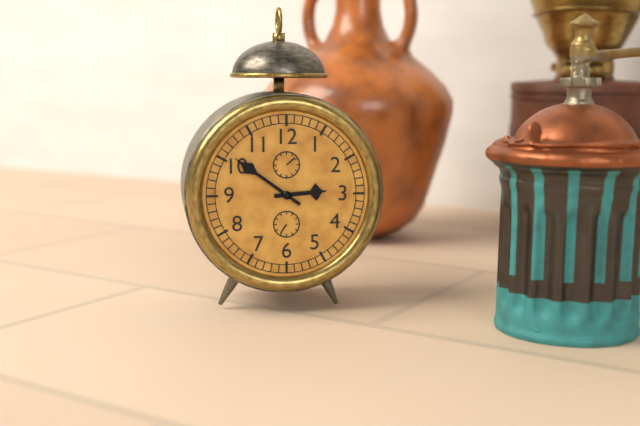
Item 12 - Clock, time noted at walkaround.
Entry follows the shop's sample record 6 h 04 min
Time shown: 2 h 51 min
